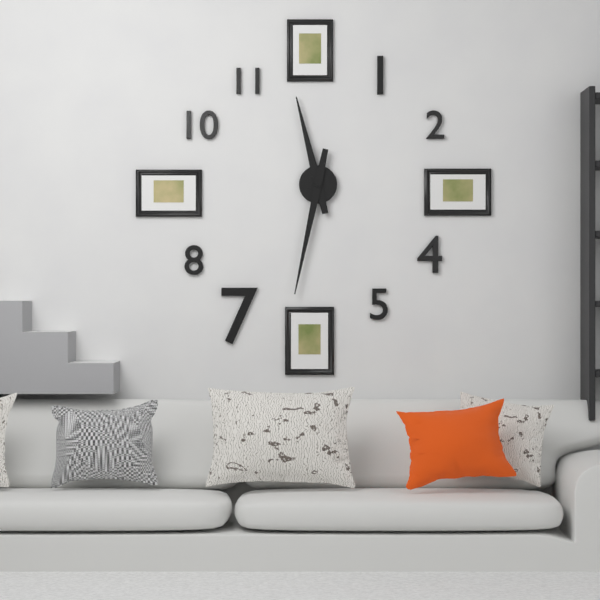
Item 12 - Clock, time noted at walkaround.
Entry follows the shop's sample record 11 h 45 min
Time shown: 11 h 32 min
